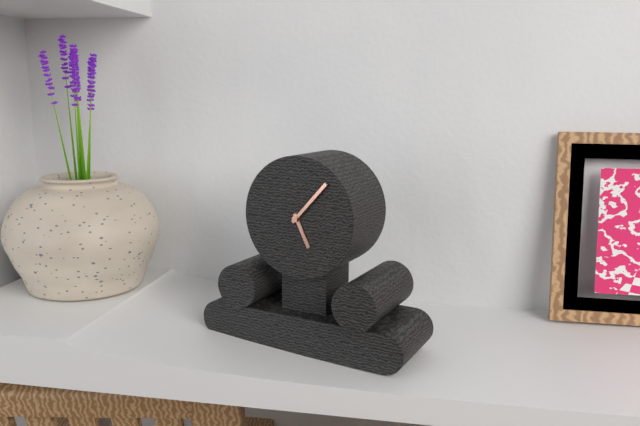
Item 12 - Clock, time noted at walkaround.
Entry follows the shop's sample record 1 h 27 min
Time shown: 5 h 07 min
